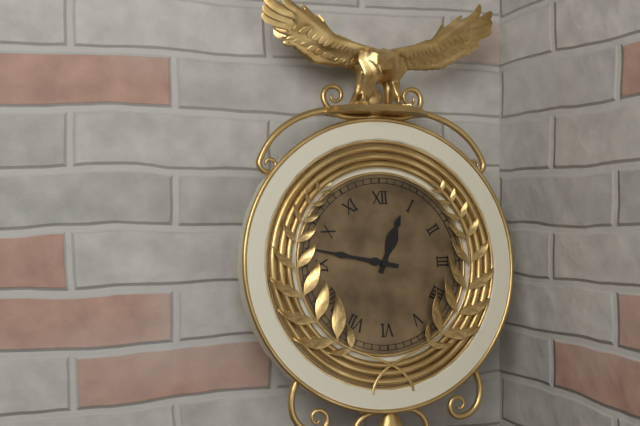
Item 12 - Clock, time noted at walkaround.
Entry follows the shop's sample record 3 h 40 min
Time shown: 12 h 47 min
